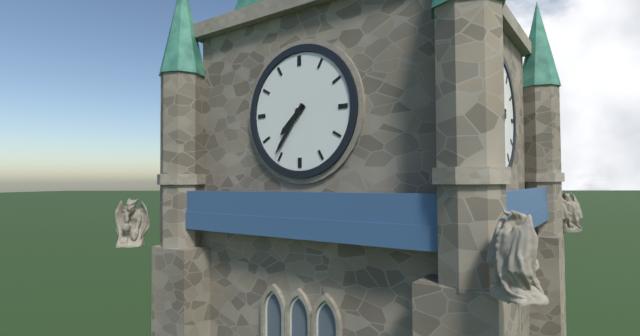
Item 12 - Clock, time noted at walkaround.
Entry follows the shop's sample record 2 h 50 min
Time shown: 7 h 36 min
